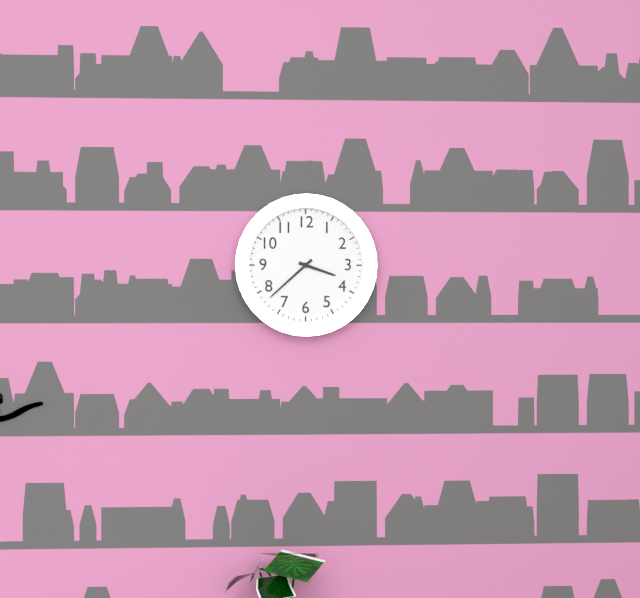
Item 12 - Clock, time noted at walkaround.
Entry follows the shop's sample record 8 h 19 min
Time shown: 3 h 38 min
